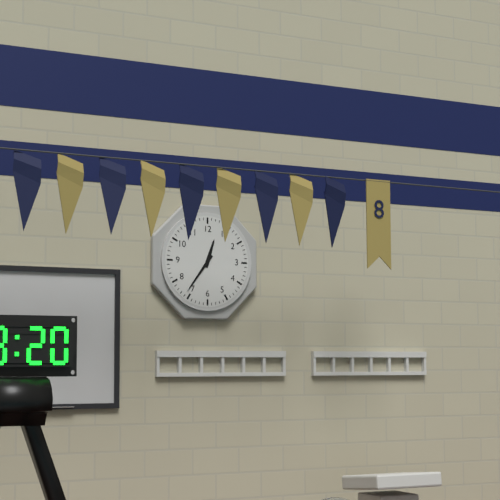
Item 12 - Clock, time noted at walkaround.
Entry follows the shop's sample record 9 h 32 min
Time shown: 12 h 36 min
